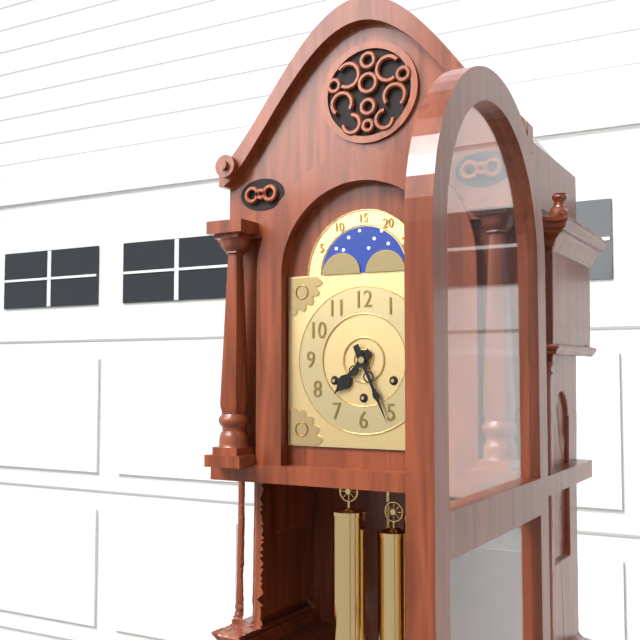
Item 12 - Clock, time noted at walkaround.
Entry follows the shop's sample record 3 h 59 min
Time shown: 7 h 26 min
